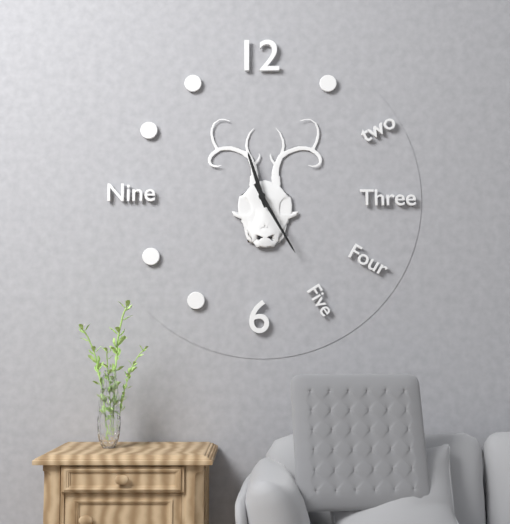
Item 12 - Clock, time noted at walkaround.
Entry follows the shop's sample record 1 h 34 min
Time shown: 11 h 25 min
